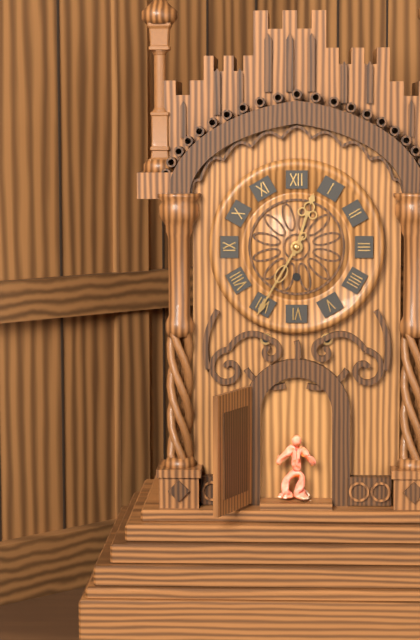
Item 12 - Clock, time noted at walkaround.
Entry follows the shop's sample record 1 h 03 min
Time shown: 12 h 35 min
